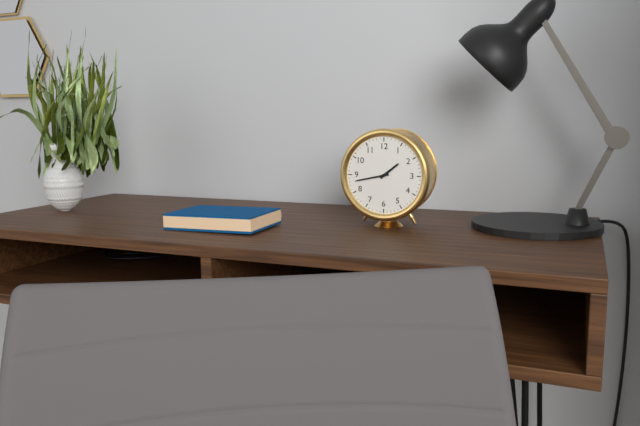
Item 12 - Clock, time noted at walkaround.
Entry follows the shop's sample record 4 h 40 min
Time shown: 1 h 43 min
